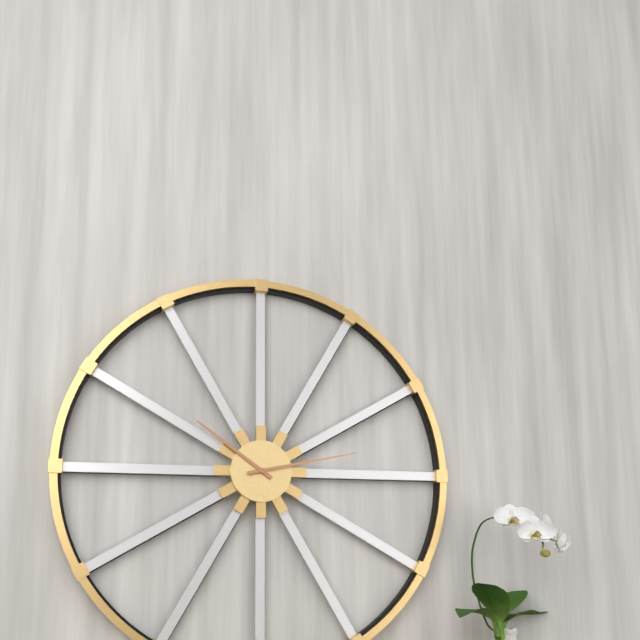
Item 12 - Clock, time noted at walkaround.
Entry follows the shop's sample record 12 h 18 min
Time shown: 10 h 13 min
